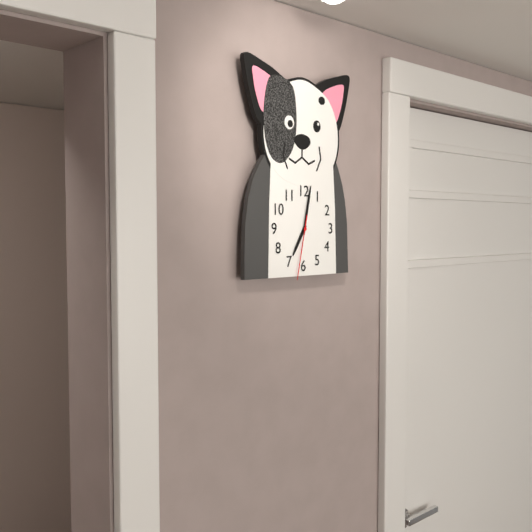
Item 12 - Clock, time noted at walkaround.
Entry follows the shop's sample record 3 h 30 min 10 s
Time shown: 7 h 02 min 32 s
